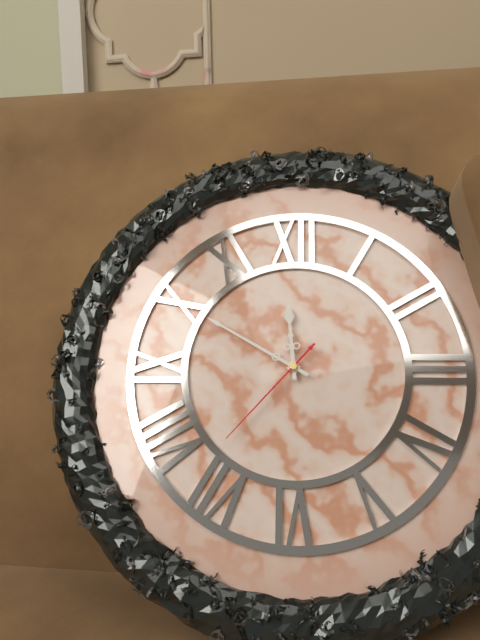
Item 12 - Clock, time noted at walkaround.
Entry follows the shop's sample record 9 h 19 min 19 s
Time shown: 11 h 50 min 37 s
